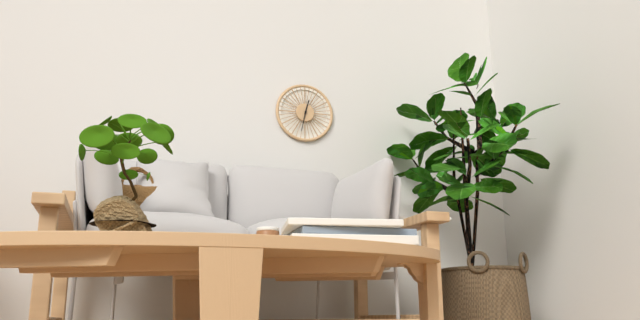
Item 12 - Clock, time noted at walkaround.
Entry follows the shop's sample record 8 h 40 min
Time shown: 12 h 32 min
